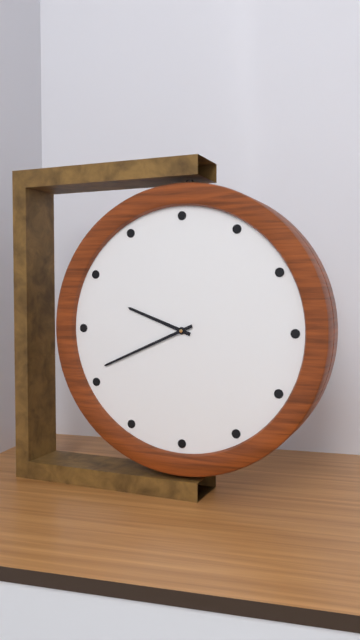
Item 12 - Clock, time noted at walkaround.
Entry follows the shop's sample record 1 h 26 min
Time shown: 9 h 41 min
